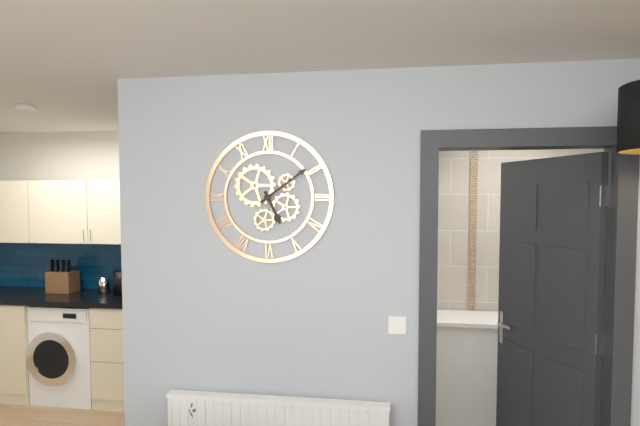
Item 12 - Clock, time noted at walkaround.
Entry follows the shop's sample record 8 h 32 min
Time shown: 5 h 09 min
